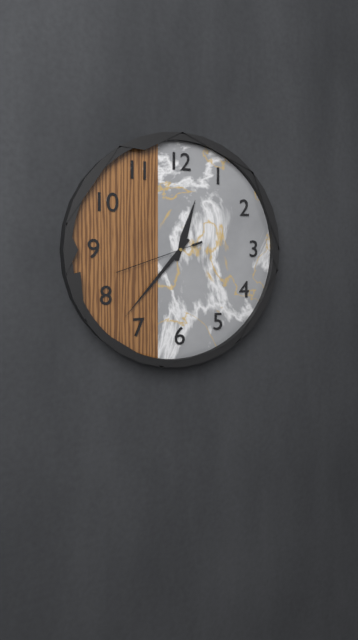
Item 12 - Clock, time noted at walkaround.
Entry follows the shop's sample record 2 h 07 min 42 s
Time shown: 12 h 37 min 42 s
